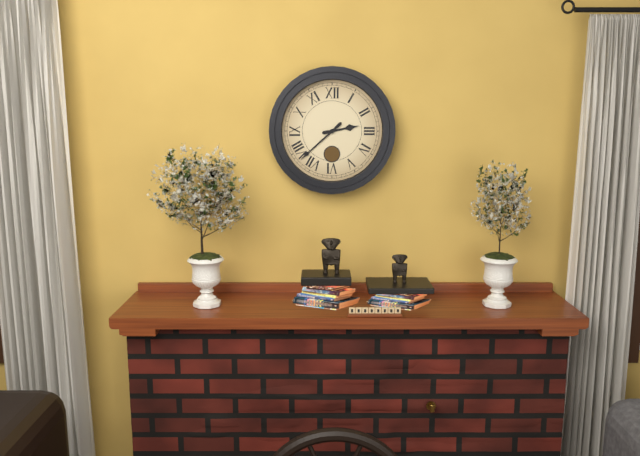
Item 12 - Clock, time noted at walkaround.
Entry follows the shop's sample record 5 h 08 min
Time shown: 2 h 38 min
